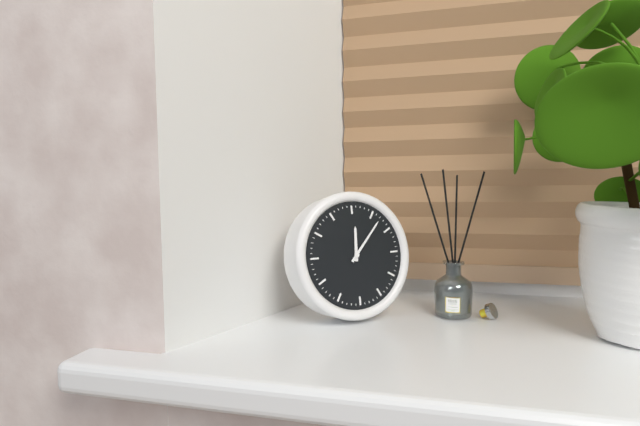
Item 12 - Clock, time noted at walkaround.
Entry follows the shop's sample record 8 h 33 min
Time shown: 12 h 07 min
